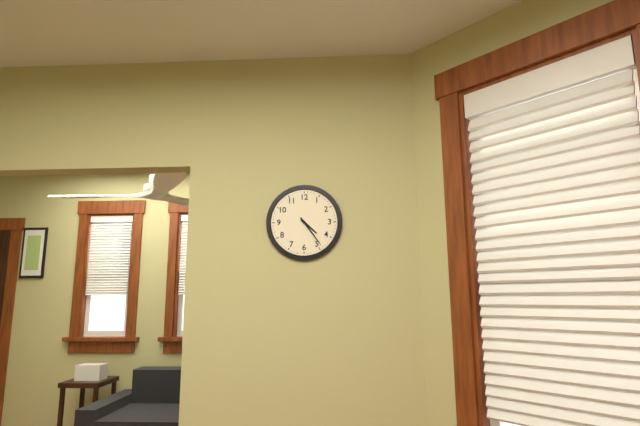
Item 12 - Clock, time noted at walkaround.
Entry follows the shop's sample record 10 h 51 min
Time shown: 4 h 24 min
